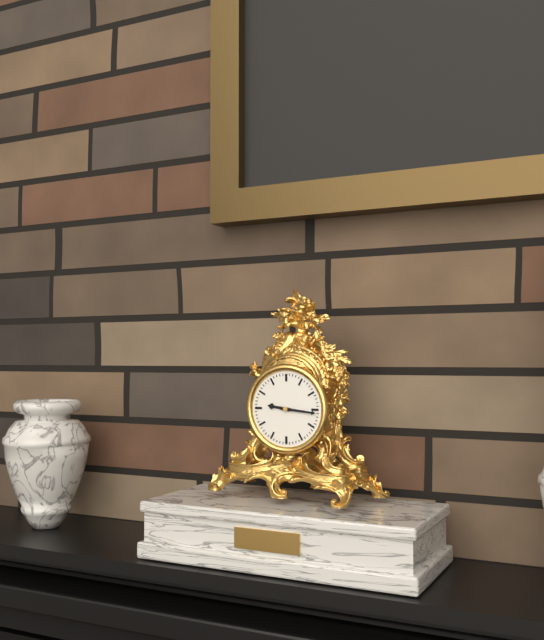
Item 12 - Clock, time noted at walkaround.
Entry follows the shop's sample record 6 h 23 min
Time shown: 9 h 16 min
